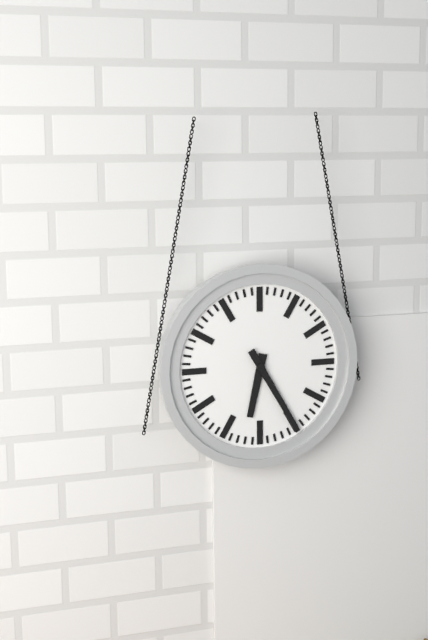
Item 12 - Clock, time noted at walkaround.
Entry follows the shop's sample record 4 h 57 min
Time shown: 6 h 25 min
